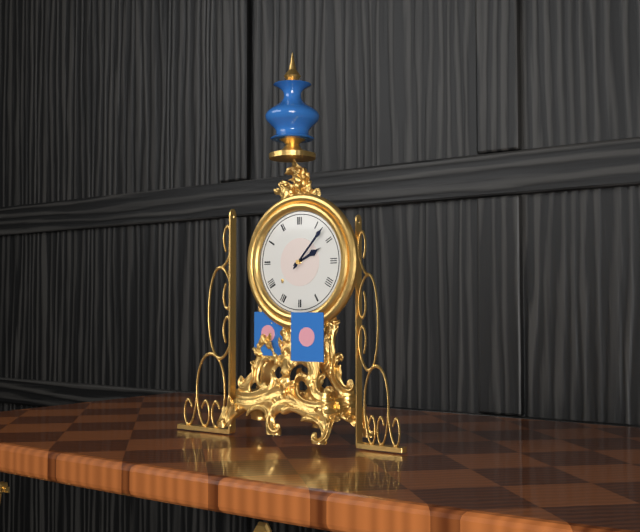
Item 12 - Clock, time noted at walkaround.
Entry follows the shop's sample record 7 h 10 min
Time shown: 2 h 07 min
